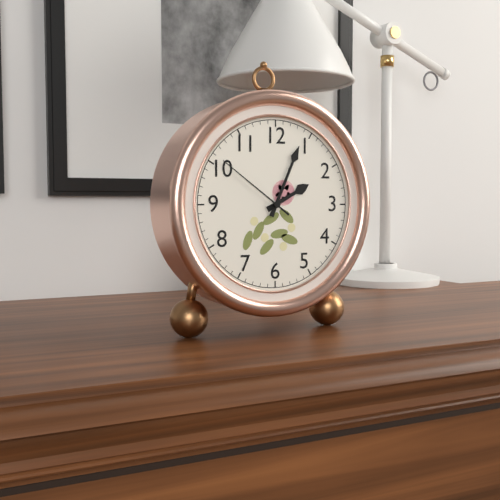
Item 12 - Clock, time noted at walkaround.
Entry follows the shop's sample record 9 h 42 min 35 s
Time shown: 2 h 04 min 51 s
